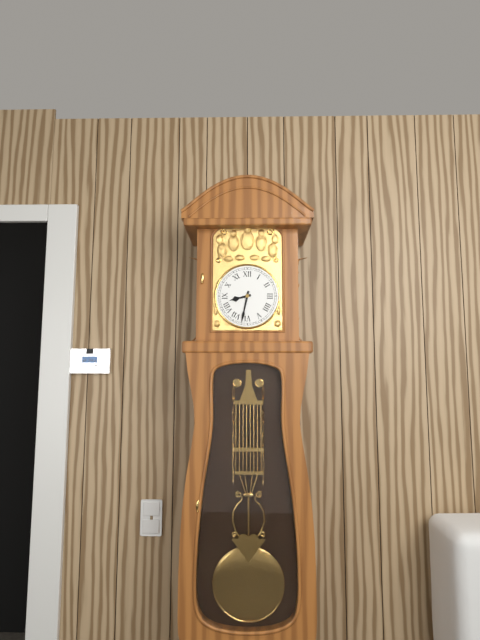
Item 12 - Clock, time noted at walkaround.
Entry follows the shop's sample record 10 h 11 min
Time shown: 8 h 32 min
